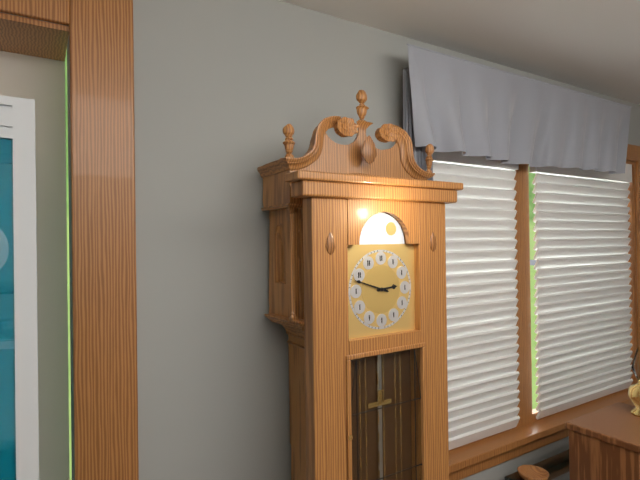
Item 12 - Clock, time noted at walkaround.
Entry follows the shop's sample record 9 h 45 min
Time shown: 2 h 48 min
